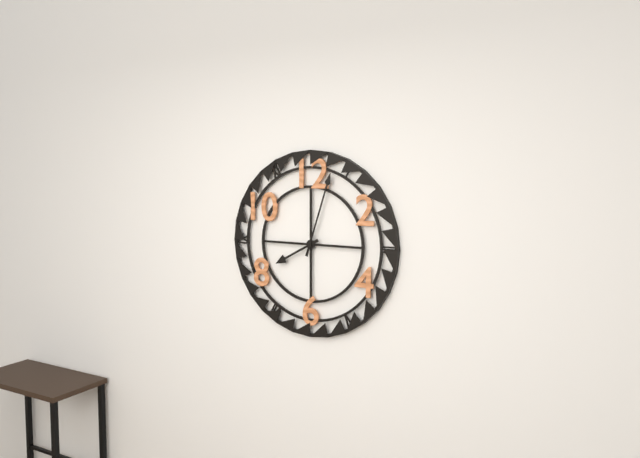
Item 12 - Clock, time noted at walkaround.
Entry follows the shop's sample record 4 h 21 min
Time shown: 8 h 03 min
